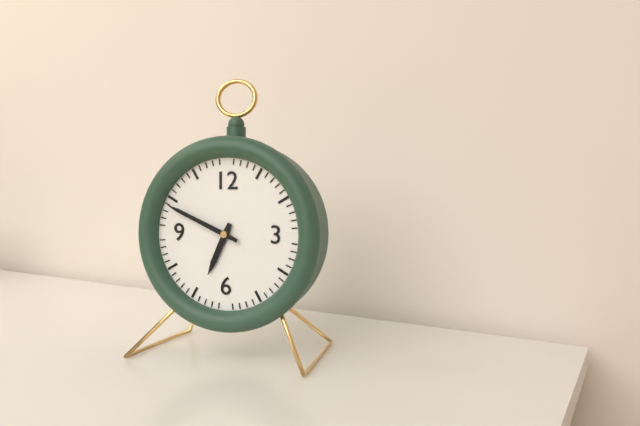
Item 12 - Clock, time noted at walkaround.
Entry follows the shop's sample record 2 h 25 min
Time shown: 6 h 49 min
